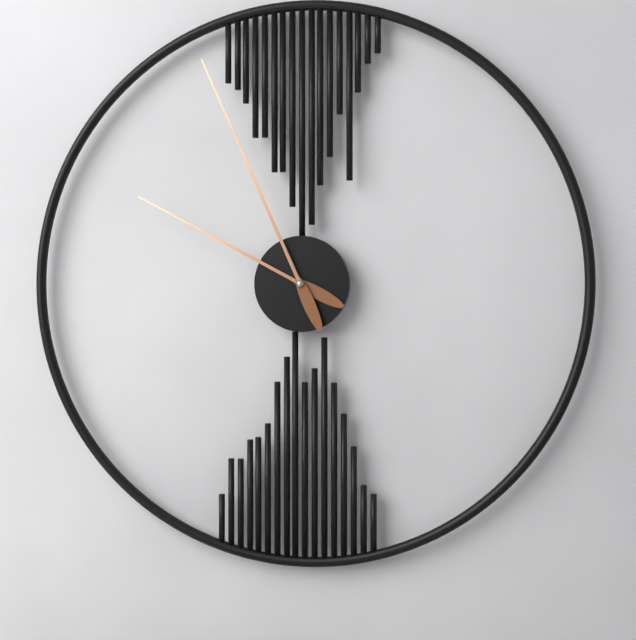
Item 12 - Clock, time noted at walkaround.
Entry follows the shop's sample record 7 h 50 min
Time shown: 9 h 56 min
